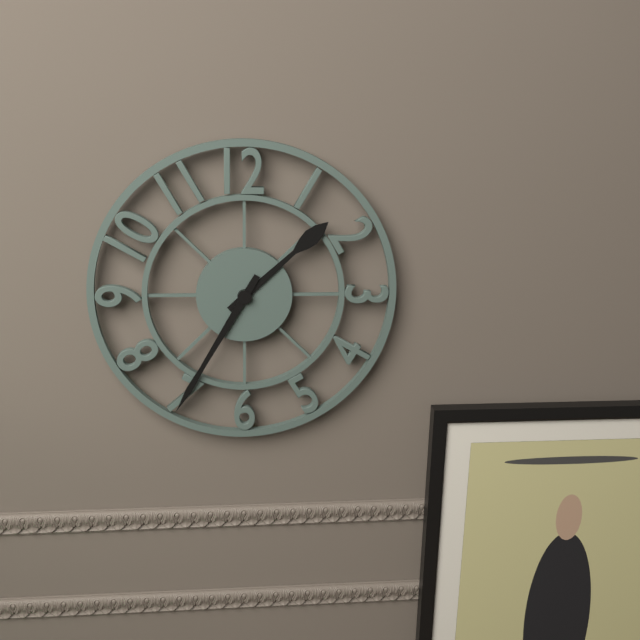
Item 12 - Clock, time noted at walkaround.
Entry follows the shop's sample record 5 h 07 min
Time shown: 1 h 35 min
